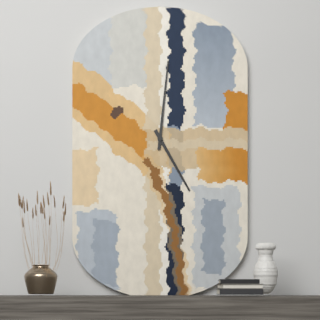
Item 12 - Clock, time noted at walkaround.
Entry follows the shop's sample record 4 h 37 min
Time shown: 5 h 01 min
